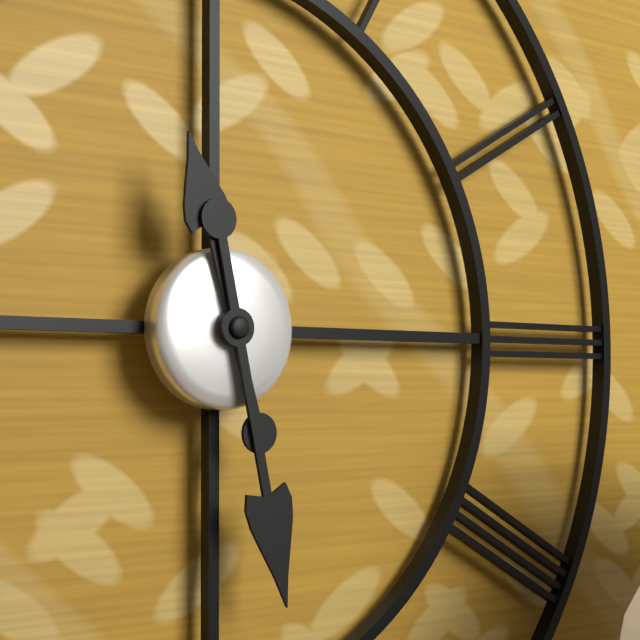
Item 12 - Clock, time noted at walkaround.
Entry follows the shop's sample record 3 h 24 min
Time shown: 11 h 28 min
